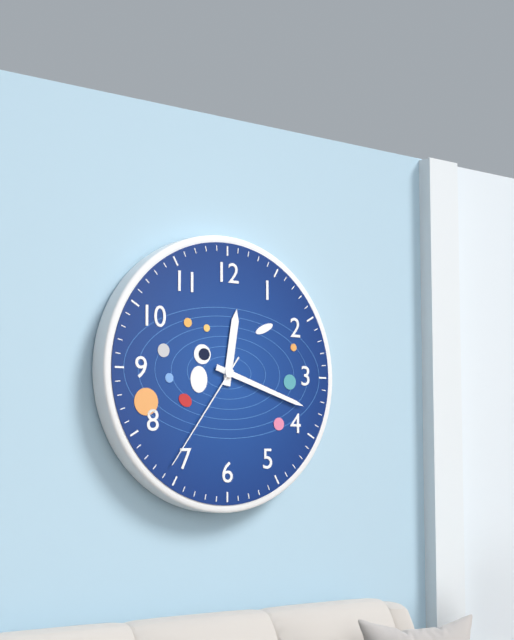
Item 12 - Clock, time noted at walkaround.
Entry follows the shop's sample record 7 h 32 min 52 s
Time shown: 12 h 18 min 36 s
